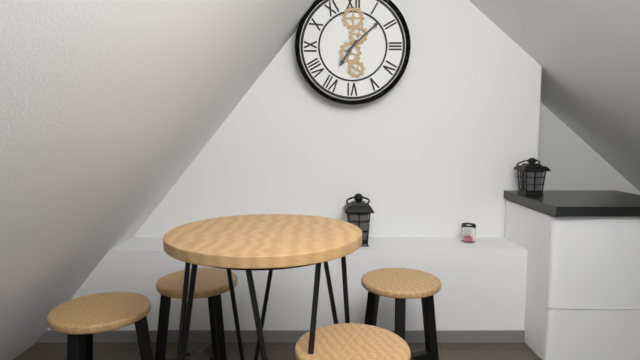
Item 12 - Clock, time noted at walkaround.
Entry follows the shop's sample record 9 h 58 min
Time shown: 7 h 08 min
